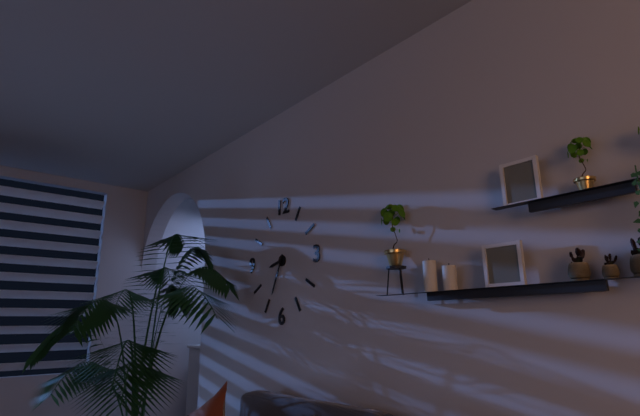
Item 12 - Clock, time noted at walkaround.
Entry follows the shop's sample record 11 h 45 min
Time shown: 8 h 34 min
